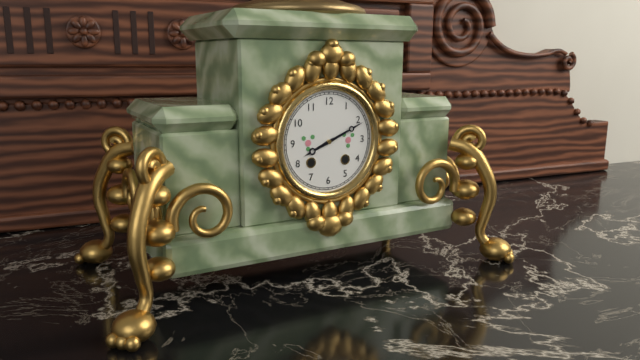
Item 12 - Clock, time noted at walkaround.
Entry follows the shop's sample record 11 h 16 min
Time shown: 8 h 11 min
